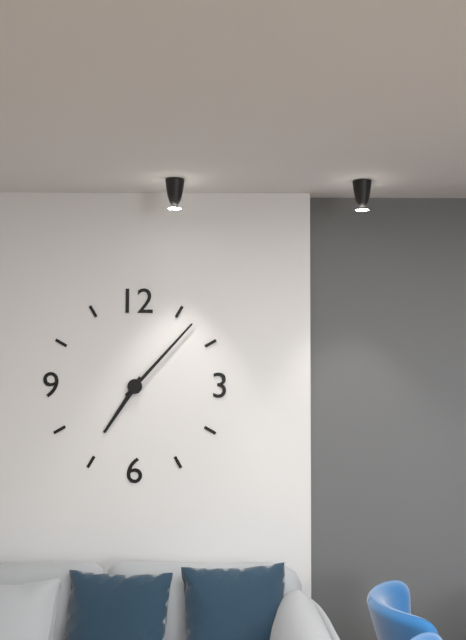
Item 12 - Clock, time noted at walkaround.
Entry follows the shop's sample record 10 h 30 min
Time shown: 7 h 07 min
